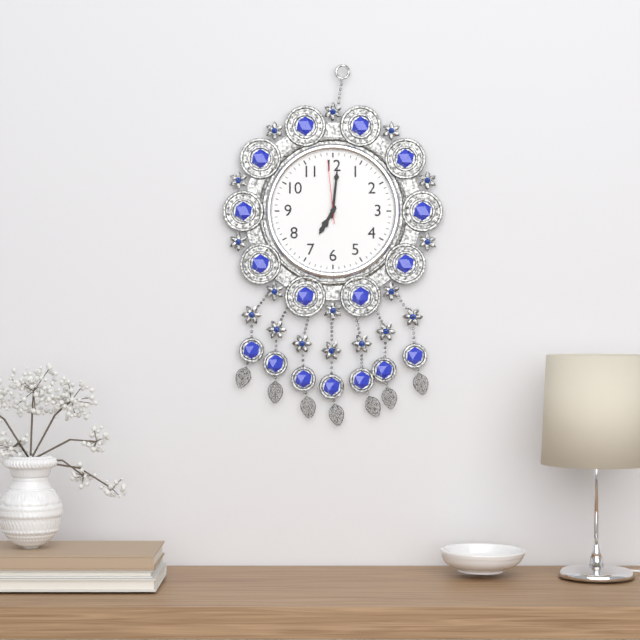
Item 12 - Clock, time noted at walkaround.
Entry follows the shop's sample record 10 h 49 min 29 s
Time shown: 7 h 01 min 59 s
